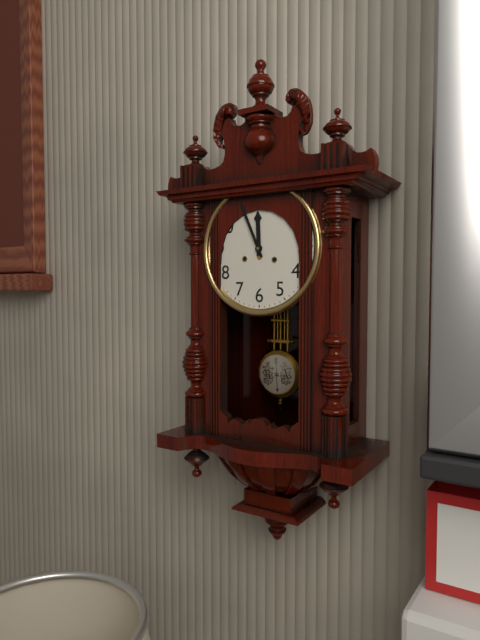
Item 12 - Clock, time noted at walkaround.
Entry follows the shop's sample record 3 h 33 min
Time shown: 11 h 56 min
